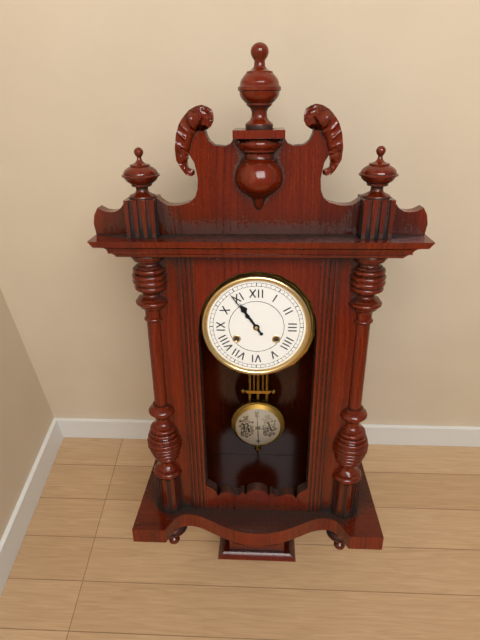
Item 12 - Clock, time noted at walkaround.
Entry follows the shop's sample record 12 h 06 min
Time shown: 10 h 54 min
